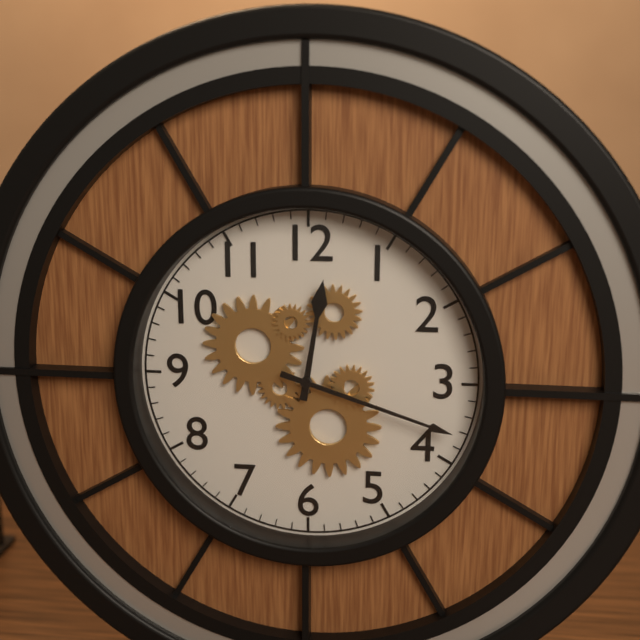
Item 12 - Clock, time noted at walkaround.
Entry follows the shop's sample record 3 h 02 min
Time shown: 12 h 18 min
